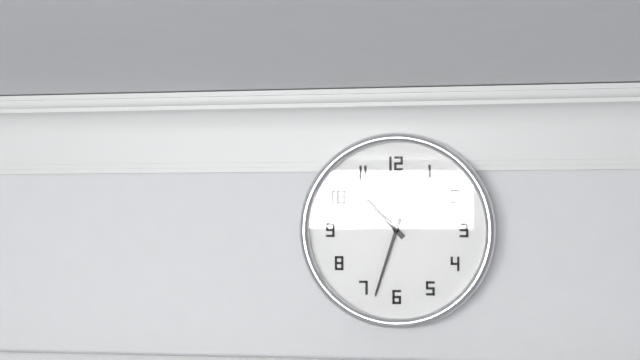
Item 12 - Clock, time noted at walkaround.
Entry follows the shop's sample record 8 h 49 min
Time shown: 10 h 33 min
